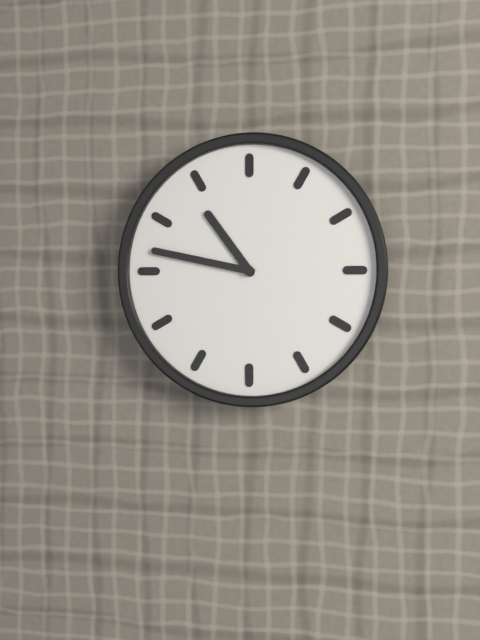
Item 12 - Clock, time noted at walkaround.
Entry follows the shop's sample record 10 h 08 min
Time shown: 10 h 47 min
